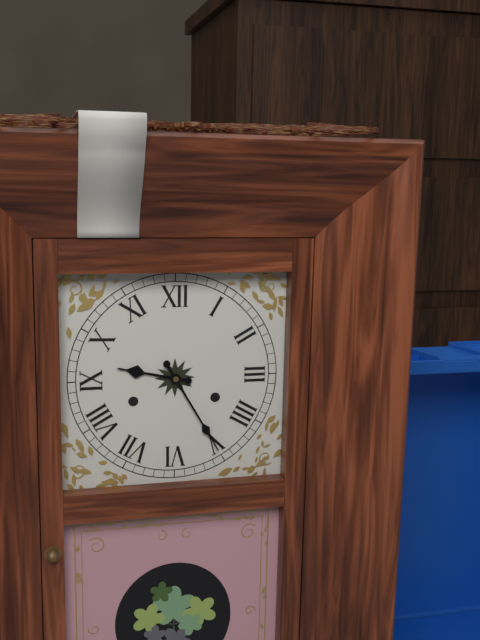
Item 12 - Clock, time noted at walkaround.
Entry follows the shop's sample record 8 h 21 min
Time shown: 9 h 25 min
